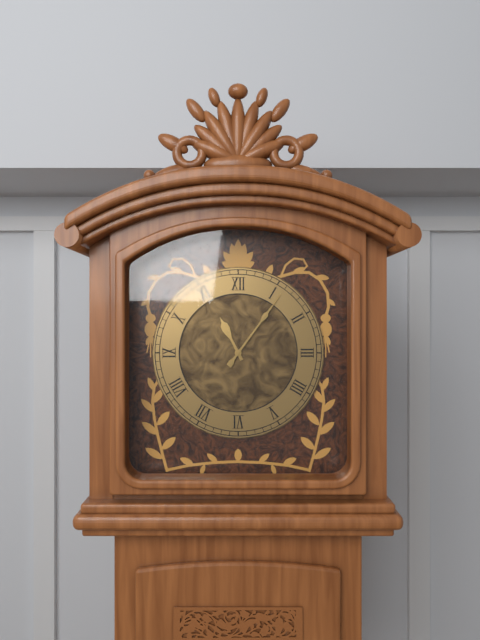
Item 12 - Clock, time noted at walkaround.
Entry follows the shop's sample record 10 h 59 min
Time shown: 11 h 06 min
